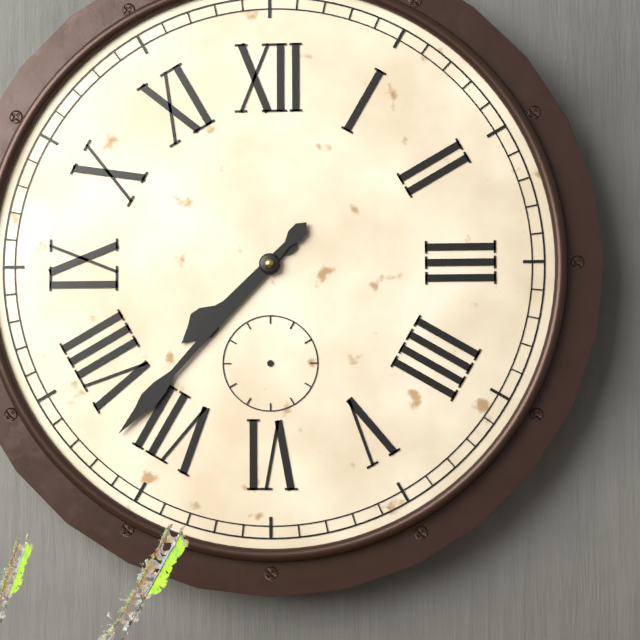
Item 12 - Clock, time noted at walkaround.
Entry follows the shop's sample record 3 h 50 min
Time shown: 7 h 37 min
